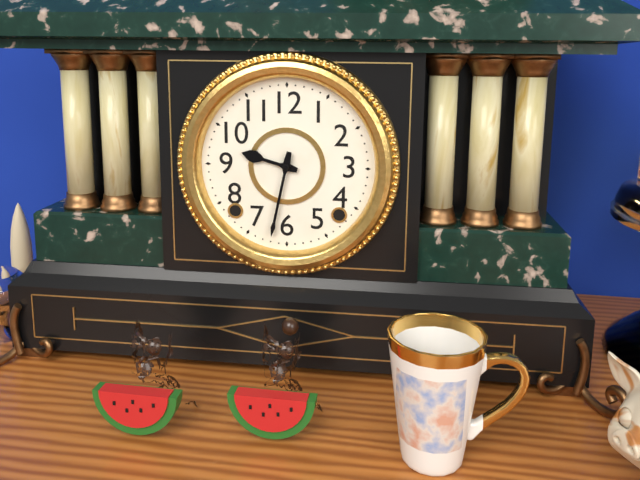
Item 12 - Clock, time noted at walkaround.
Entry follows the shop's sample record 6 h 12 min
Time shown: 9 h 32 min
